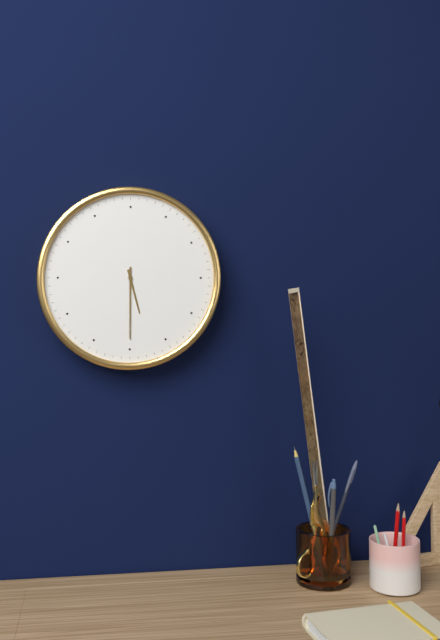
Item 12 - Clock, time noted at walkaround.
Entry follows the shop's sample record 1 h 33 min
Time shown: 5 h 30 min
